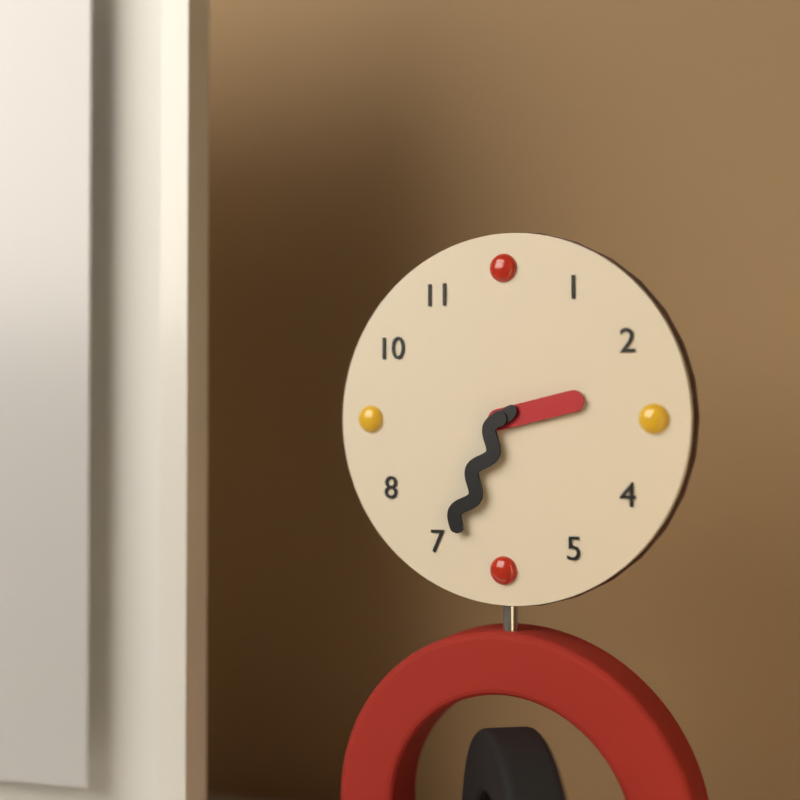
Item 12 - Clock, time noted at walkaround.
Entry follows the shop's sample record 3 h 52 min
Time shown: 2 h 34 min
